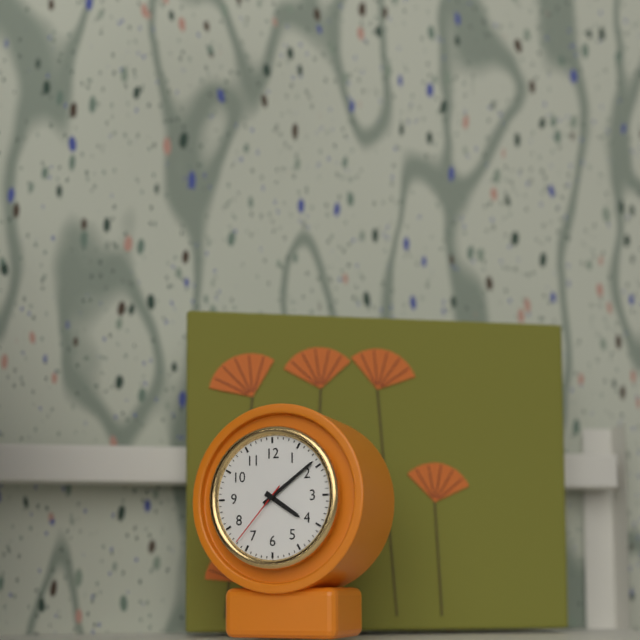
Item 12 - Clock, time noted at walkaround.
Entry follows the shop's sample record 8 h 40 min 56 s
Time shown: 4 h 09 min 37 s
